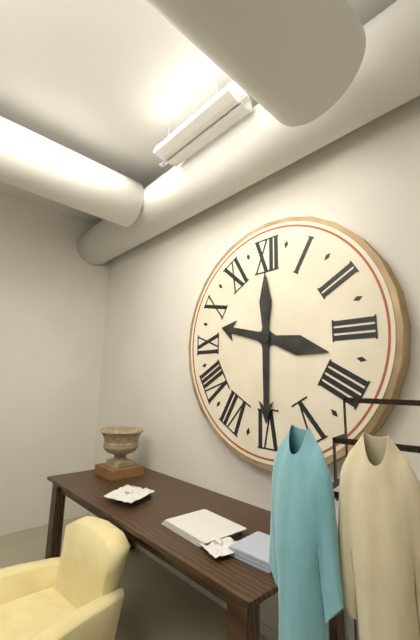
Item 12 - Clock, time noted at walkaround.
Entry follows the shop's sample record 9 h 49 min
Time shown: 9 h 30 min
